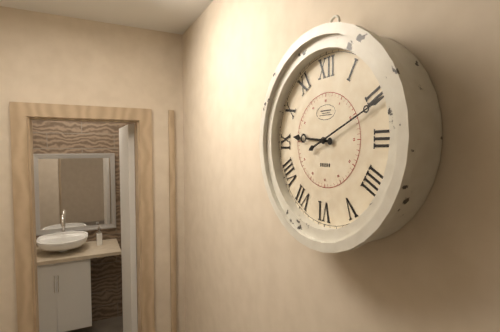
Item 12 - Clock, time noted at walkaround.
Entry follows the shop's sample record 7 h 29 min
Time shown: 9 h 11 min
